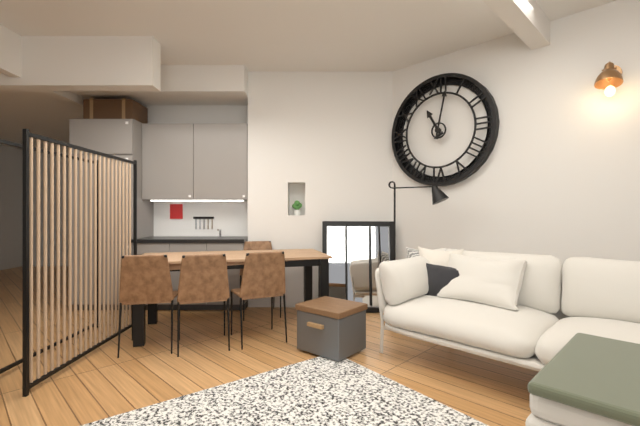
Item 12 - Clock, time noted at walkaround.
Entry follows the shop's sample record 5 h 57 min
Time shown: 11 h 02 min
